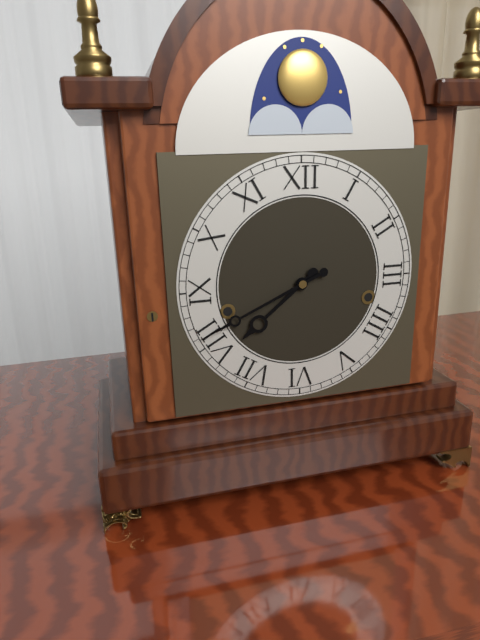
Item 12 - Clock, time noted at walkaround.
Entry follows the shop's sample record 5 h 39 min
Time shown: 7 h 41 min
